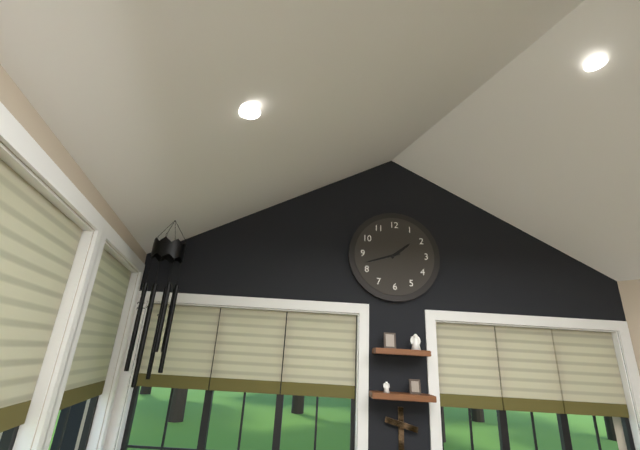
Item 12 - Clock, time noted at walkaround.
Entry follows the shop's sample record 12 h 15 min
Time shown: 1 h 42 min
